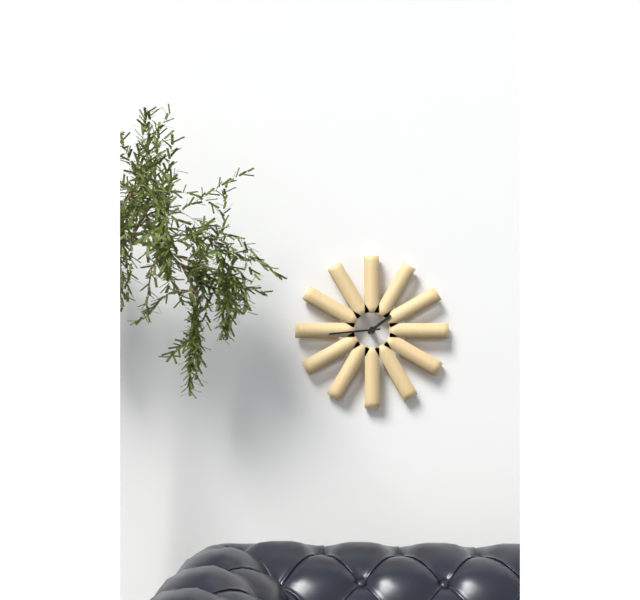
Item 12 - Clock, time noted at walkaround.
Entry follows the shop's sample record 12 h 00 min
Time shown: 1 h 44 min
